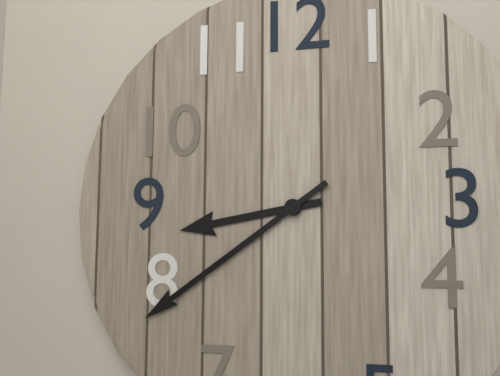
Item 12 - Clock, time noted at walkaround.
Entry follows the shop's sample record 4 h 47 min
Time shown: 8 h 39 min
